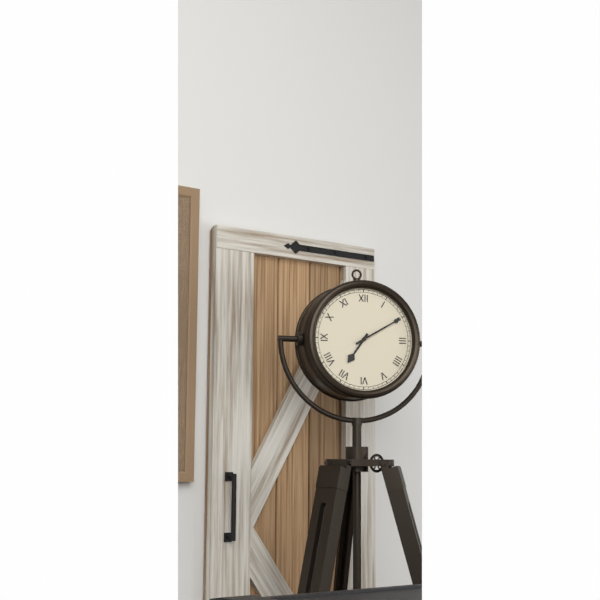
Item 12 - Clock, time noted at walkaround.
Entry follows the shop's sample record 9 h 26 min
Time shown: 7 h 10 min
